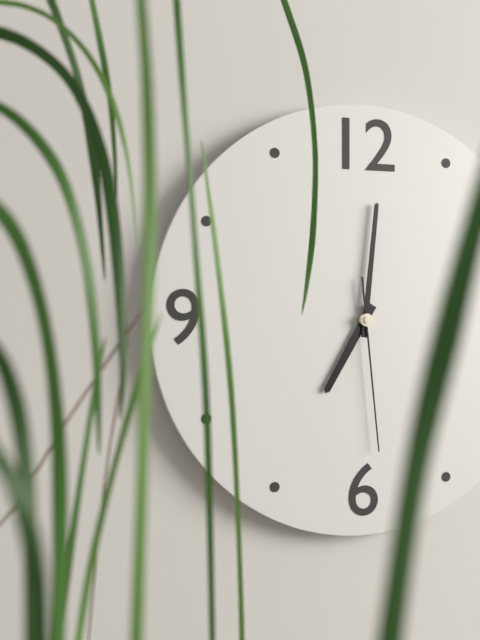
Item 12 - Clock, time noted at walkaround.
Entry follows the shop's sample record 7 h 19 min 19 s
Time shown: 7 h 01 min 29 s
